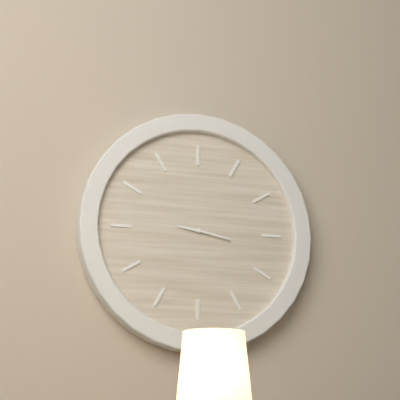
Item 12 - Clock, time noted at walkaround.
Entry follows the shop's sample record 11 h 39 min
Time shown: 9 h 17 min
